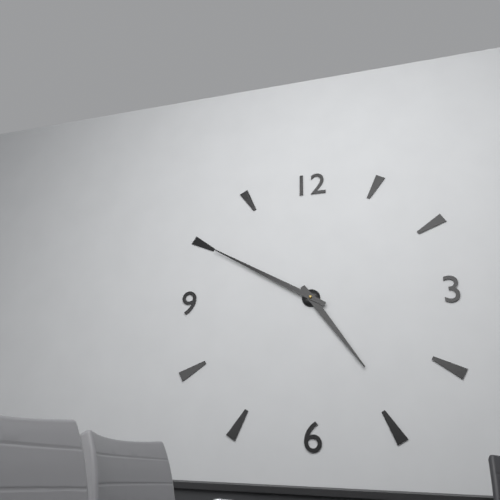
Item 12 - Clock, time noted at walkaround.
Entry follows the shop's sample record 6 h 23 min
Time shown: 4 h 50 min
